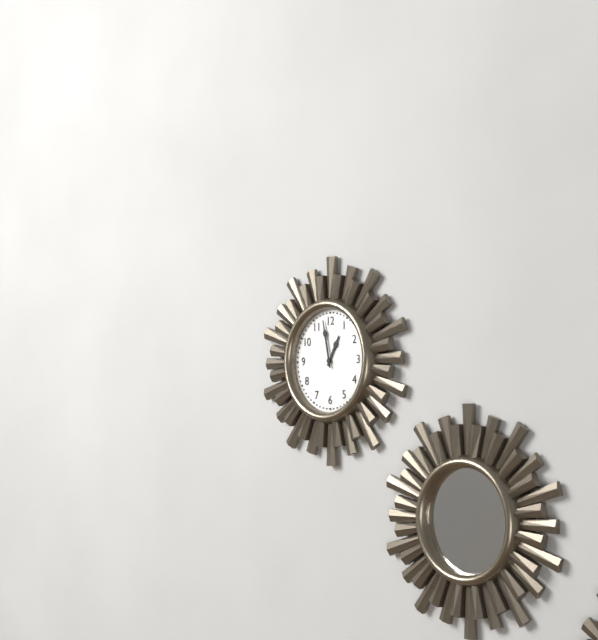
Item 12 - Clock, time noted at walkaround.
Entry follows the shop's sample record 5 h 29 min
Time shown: 12 h 58 min
